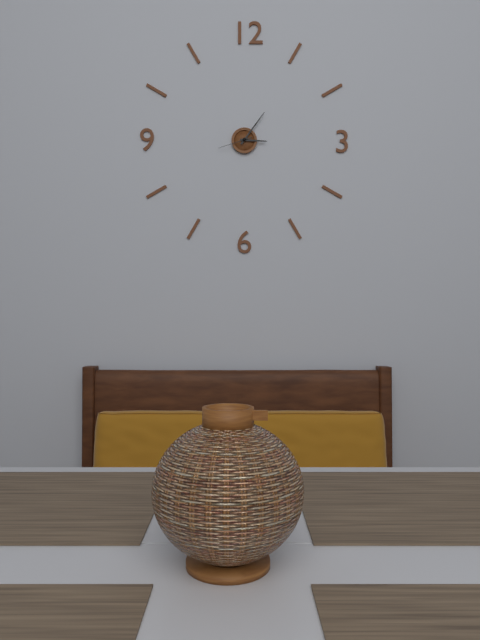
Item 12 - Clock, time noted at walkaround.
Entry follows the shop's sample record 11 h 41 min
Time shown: 3 h 06 min
